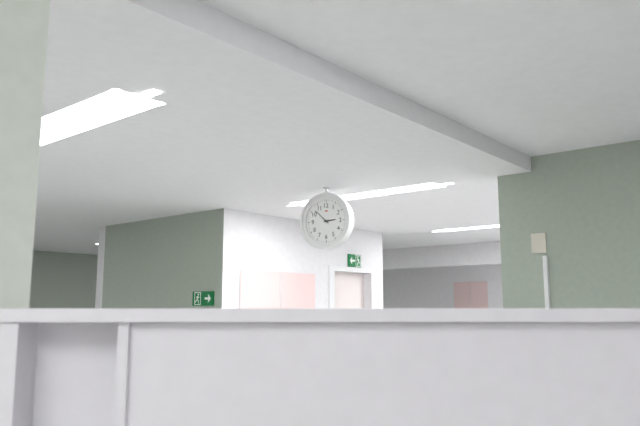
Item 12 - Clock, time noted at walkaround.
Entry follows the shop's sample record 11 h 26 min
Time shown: 2 h 52 min
